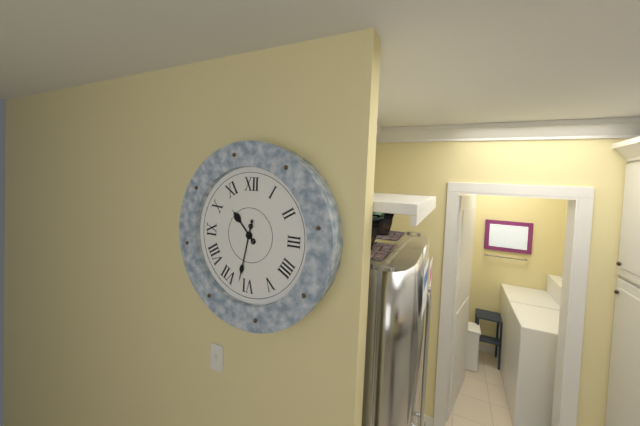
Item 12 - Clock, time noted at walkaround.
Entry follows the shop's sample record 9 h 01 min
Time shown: 10 h 32 min
